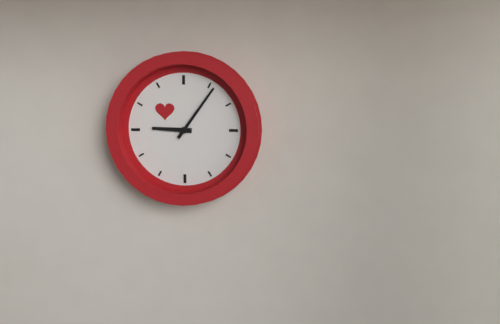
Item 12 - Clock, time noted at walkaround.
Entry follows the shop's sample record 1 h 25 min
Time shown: 9 h 06 min
